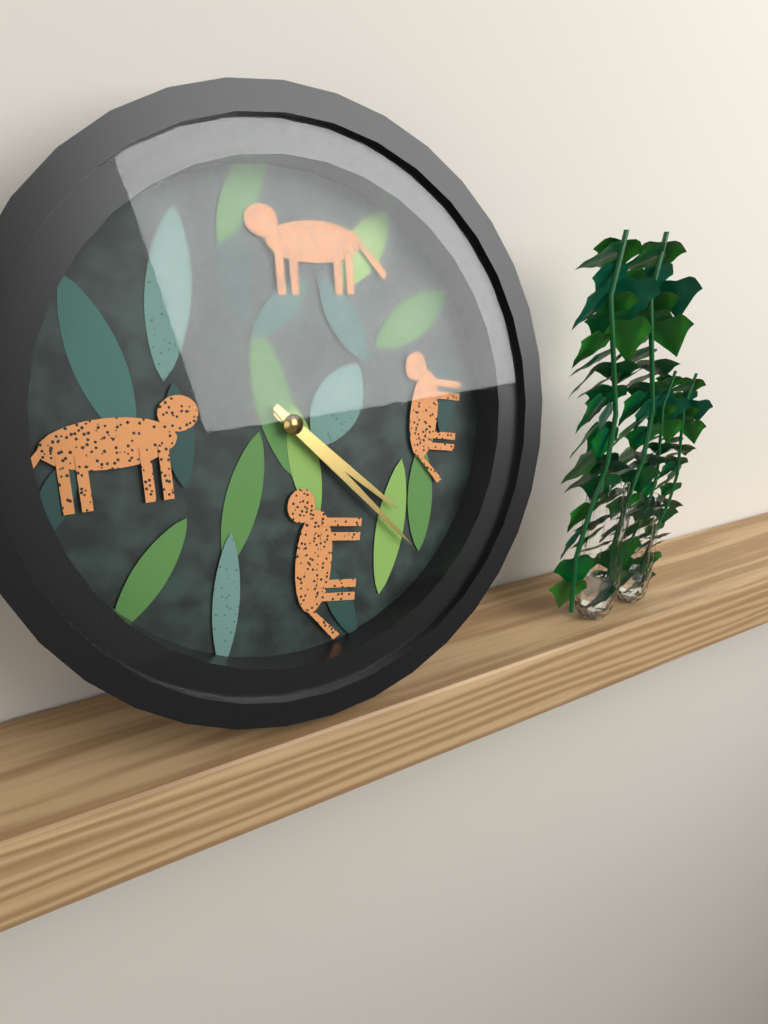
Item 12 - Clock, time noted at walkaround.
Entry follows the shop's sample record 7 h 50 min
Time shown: 4 h 23 min
